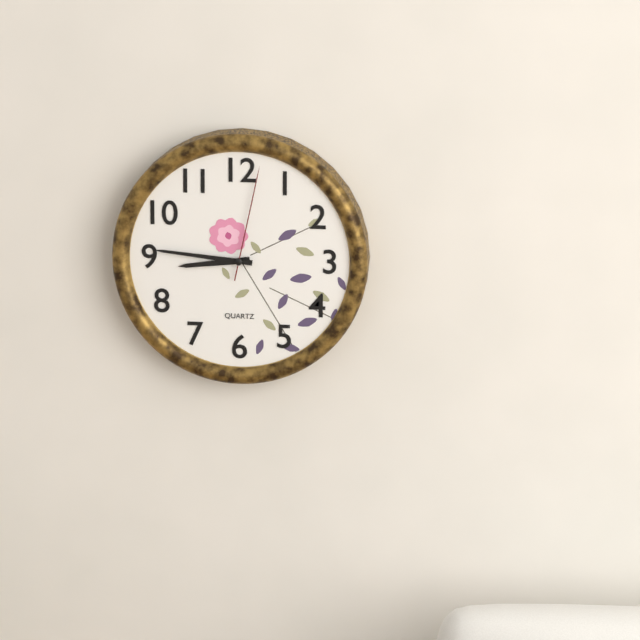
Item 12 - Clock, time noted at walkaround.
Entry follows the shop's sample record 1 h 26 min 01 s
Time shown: 8 h 46 min 02 s
